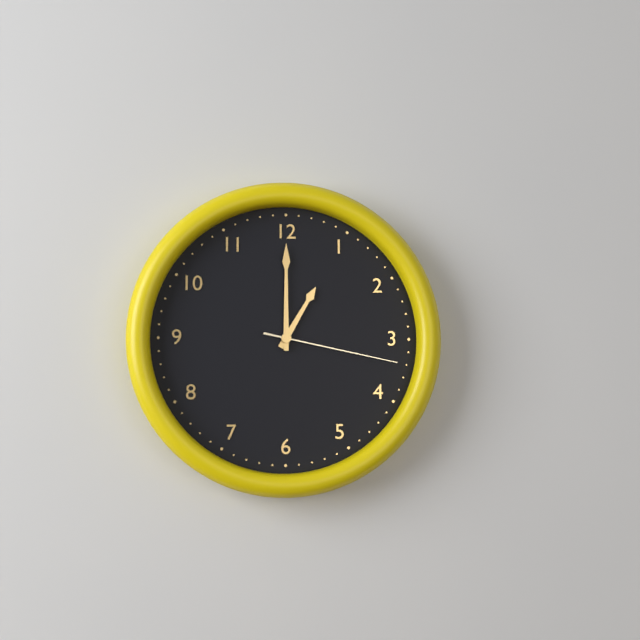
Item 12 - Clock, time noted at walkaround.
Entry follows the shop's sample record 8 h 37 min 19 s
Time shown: 1 h 00 min 17 s
